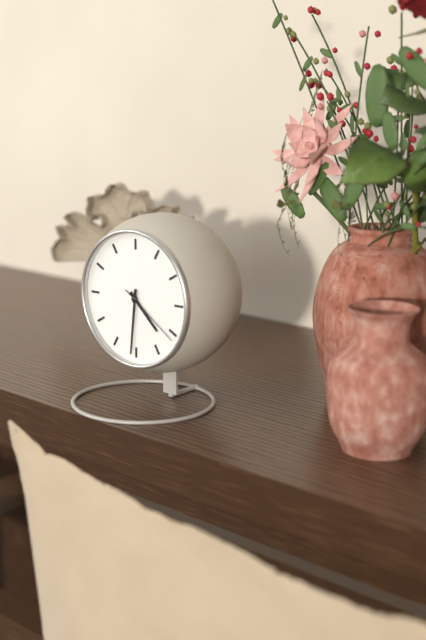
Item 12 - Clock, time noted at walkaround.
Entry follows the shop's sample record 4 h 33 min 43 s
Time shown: 4 h 31 min 21 s
